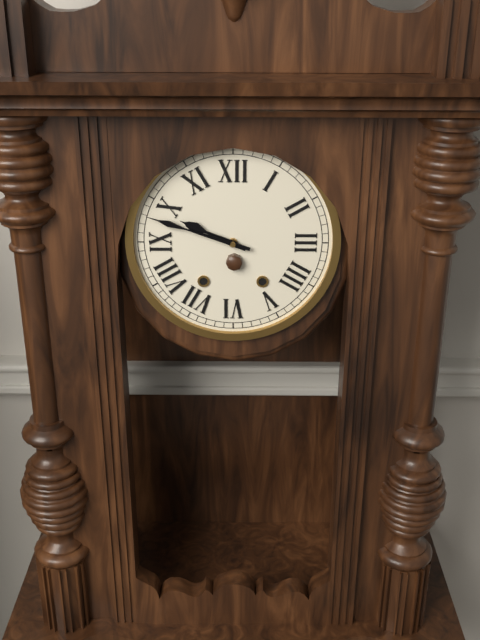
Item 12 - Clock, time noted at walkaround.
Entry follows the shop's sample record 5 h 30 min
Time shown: 9 h 48 min
